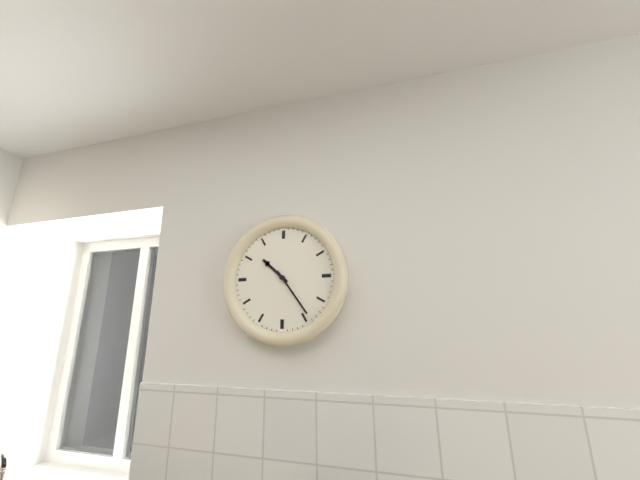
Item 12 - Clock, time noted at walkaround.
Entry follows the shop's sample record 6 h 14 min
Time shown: 10 h 24 min
